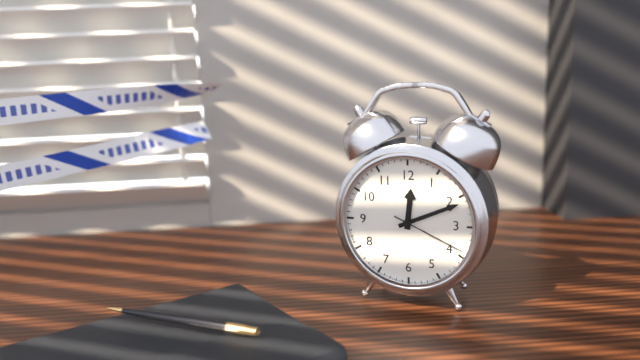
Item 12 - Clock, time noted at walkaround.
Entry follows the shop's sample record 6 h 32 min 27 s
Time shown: 12 h 11 min 19 s
